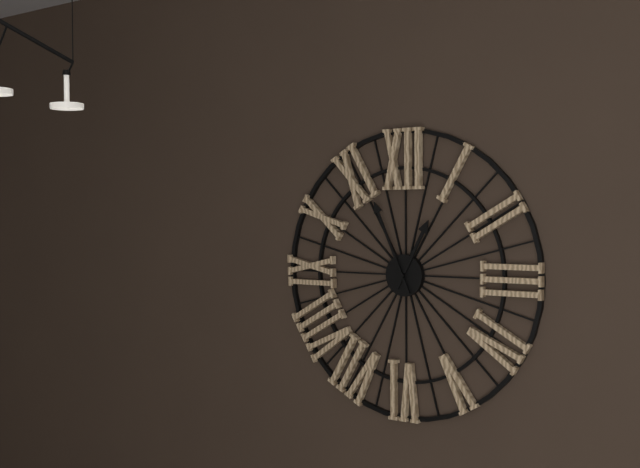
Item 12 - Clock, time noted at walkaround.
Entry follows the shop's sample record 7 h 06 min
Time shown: 12 h 56 min
